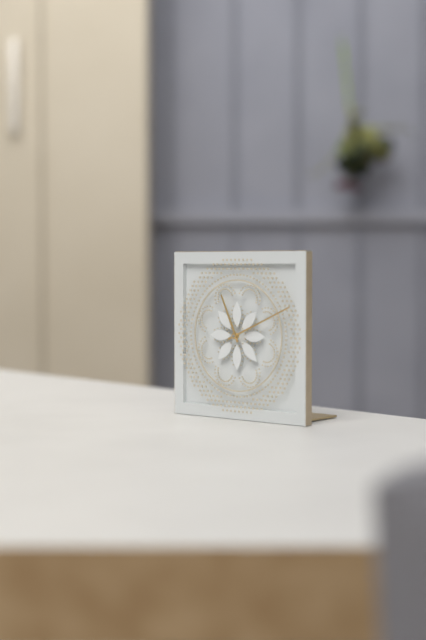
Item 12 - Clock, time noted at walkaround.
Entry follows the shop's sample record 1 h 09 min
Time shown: 11 h 11 min
